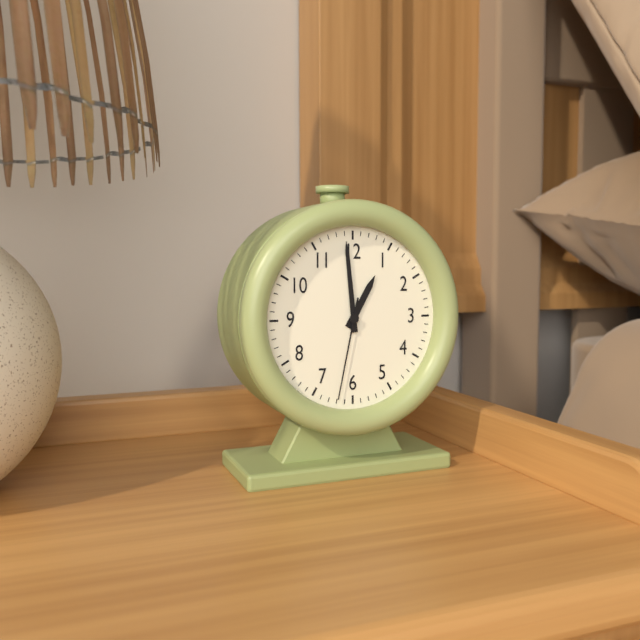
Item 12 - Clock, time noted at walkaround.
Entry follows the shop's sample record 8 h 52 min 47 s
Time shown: 12 h 59 min 32 s
